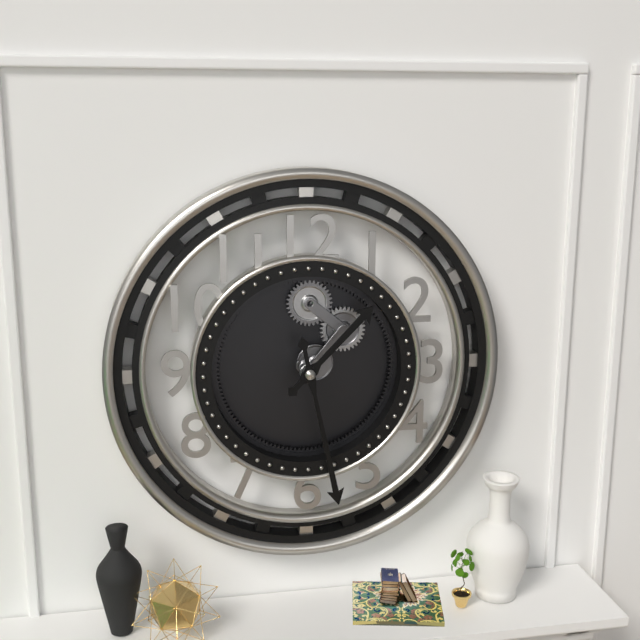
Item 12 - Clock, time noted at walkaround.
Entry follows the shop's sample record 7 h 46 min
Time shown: 1 h 28 min
